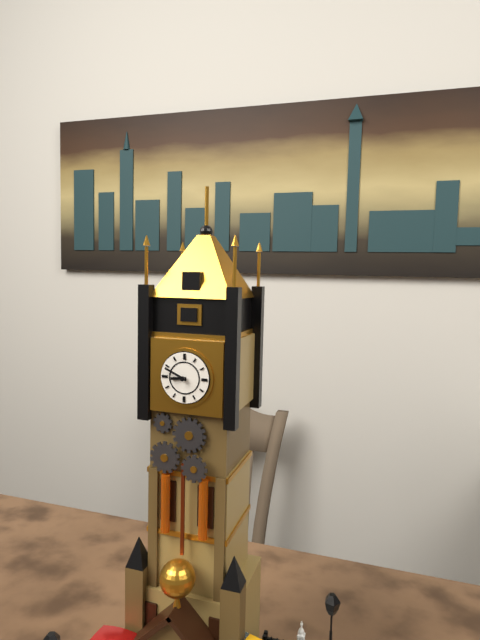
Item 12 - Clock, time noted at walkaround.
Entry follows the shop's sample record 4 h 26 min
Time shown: 8 h 49 min
